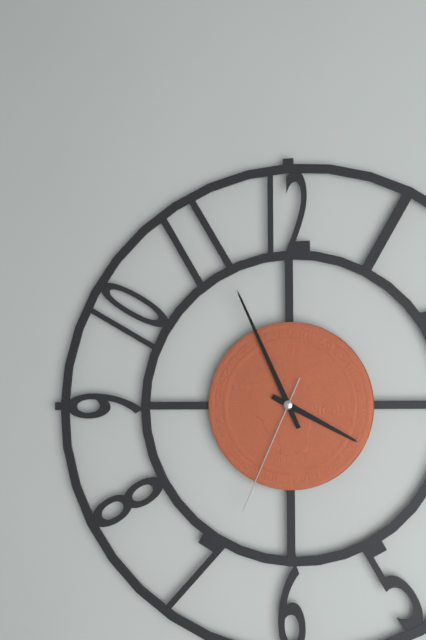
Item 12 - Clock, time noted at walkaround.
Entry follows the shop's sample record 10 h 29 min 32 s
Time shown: 3 h 56 min 34 s
